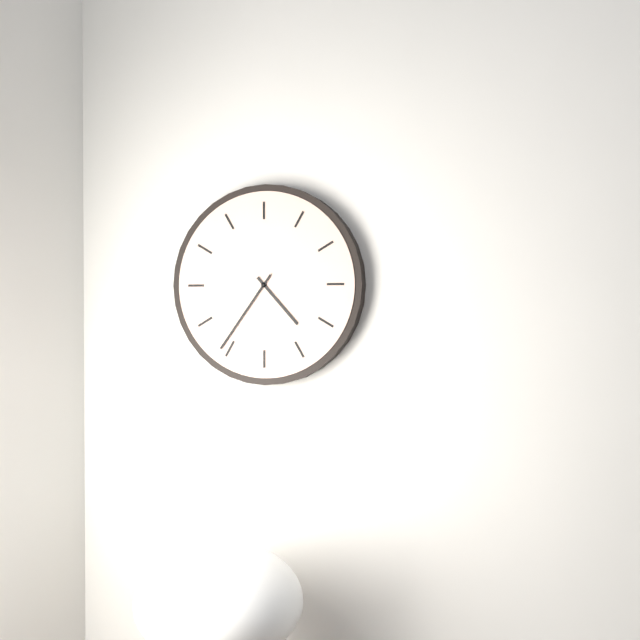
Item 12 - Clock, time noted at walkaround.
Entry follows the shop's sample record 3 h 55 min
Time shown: 4 h 36 min
